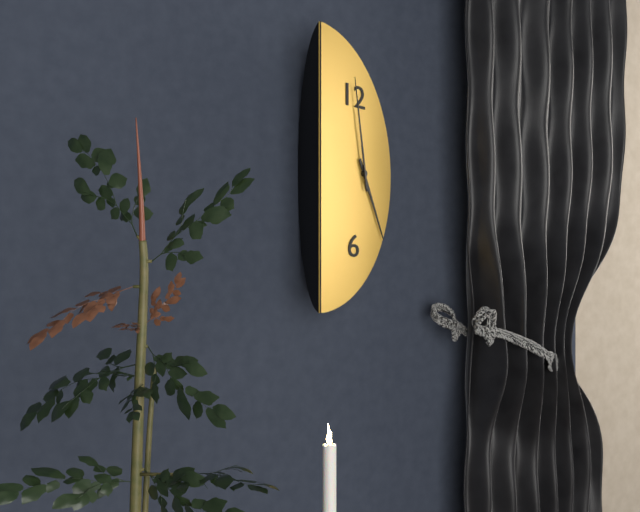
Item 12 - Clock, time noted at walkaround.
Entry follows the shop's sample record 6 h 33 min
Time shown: 4 h 58 min
